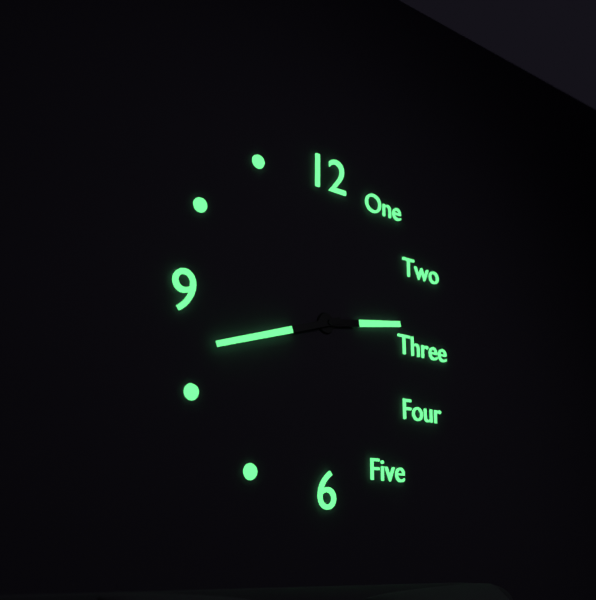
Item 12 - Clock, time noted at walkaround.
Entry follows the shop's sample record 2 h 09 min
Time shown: 2 h 42 min
